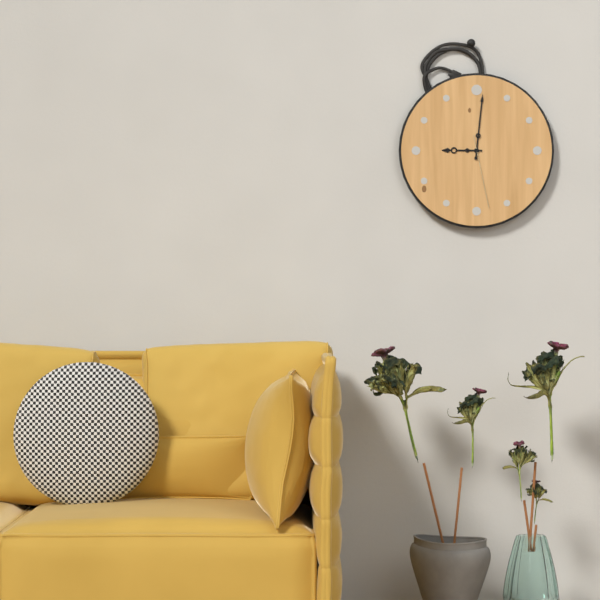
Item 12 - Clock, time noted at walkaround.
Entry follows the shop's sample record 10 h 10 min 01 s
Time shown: 9 h 01 min 28 s
